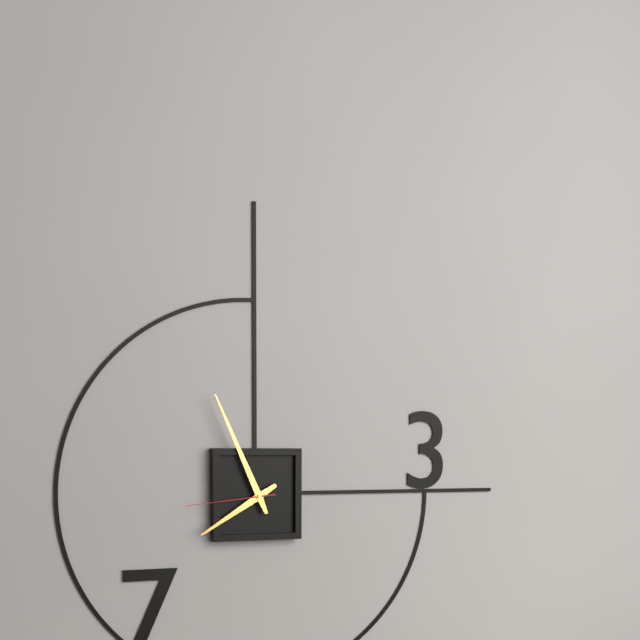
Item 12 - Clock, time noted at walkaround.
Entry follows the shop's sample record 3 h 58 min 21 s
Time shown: 7 h 56 min 44 s
